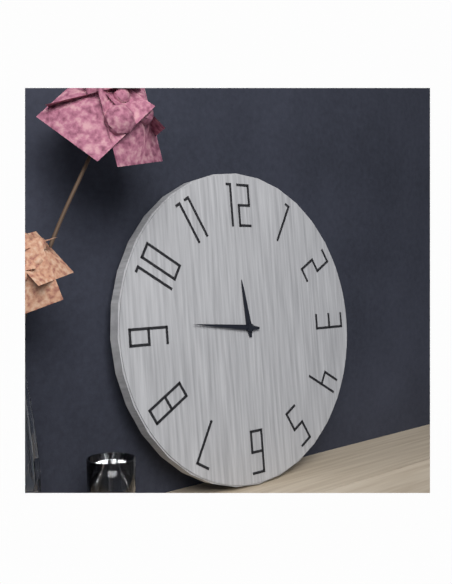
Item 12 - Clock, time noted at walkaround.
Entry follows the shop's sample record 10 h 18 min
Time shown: 11 h 46 min
